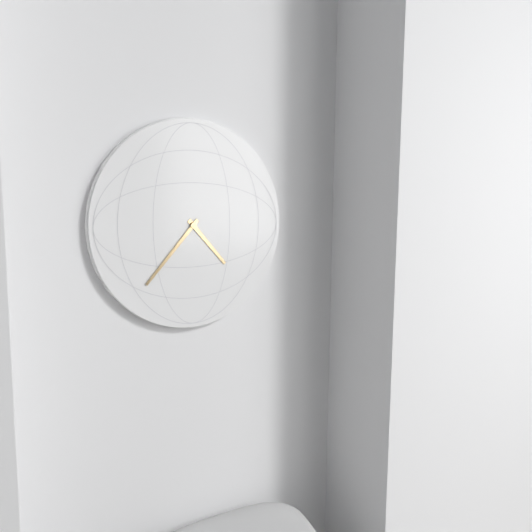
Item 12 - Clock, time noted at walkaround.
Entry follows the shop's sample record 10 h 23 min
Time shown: 4 h 37 min
